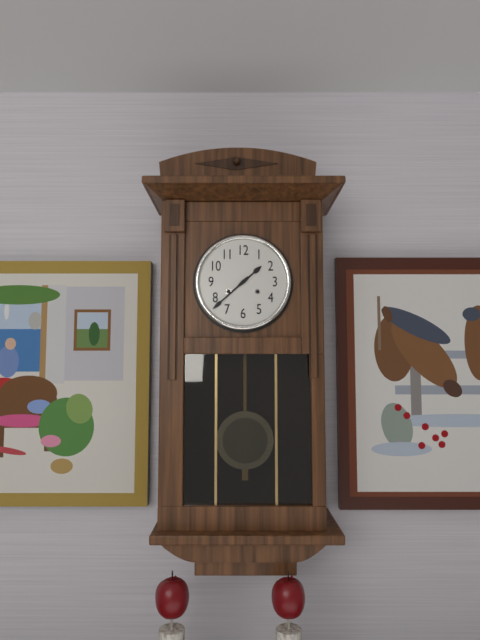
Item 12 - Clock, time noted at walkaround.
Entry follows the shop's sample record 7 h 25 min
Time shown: 1 h 38 min
